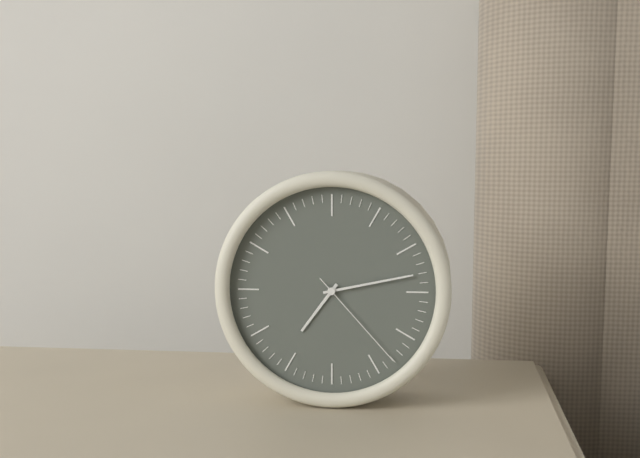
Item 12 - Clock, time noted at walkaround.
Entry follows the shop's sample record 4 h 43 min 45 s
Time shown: 7 h 13 min 23 s
